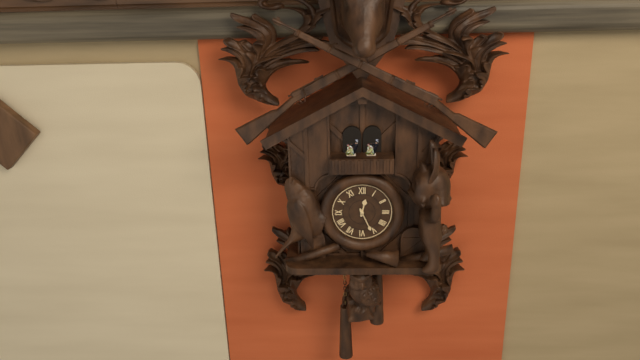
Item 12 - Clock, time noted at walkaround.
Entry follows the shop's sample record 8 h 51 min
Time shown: 12 h 26 min
